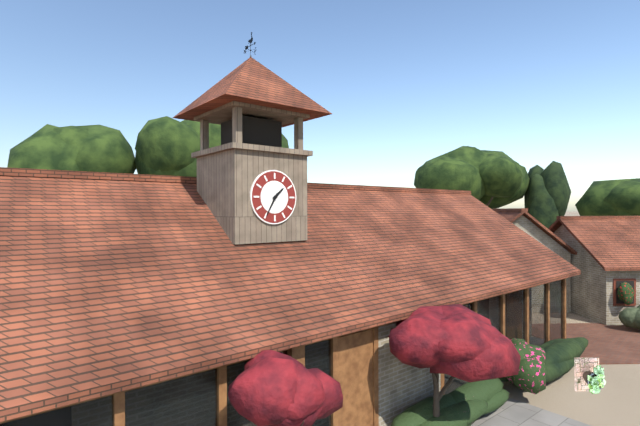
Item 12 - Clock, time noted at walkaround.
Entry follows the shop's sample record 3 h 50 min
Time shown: 1 h 35 min
